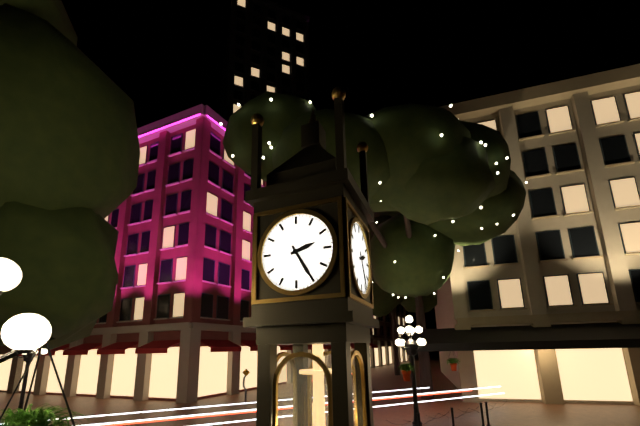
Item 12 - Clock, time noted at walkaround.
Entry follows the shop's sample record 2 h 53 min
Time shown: 2 h 25 min
